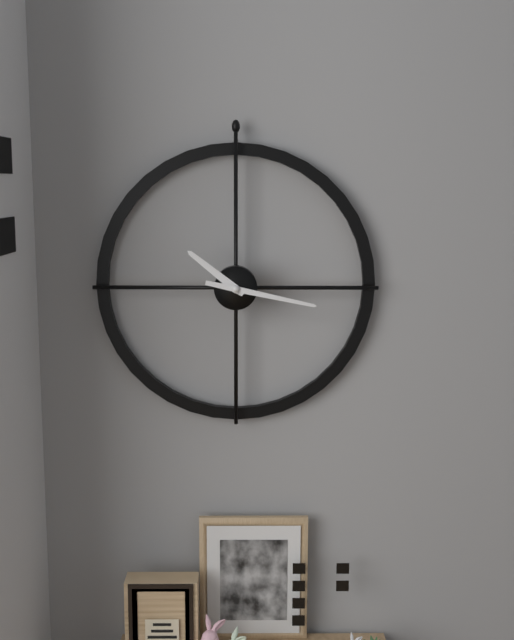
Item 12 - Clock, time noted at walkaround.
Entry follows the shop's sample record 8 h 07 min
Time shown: 10 h 17 min
